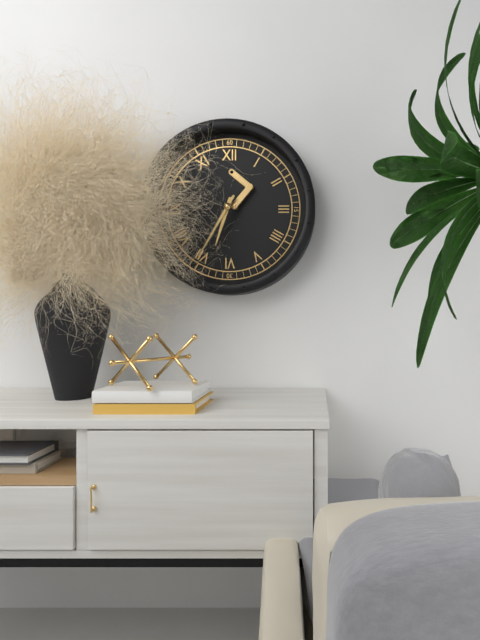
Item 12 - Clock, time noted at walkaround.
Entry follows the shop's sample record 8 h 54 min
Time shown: 6 h 35 min
